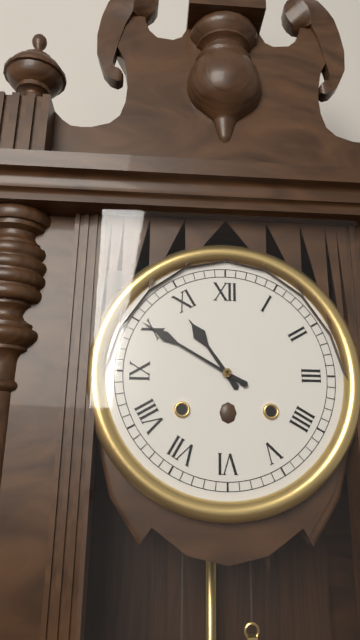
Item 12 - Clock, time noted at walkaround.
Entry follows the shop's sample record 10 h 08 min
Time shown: 10 h 50 min
